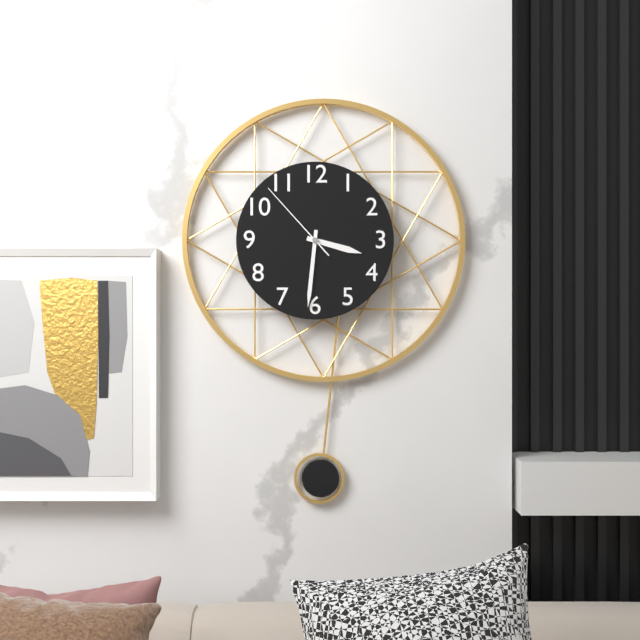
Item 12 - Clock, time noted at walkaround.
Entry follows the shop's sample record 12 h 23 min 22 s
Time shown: 3 h 31 min 53 s
